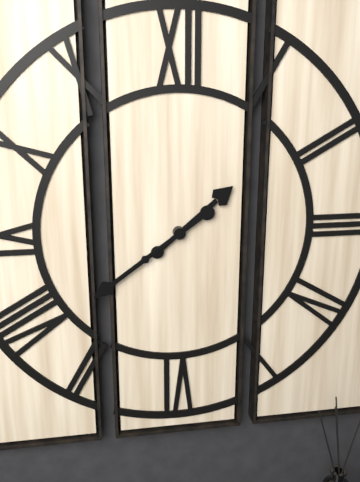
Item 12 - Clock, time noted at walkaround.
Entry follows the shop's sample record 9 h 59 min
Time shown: 1 h 39 min
